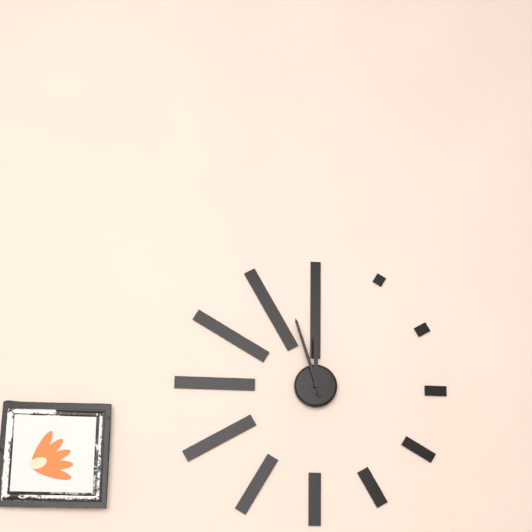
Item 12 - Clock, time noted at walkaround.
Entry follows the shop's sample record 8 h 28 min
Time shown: 11 h 57 min
